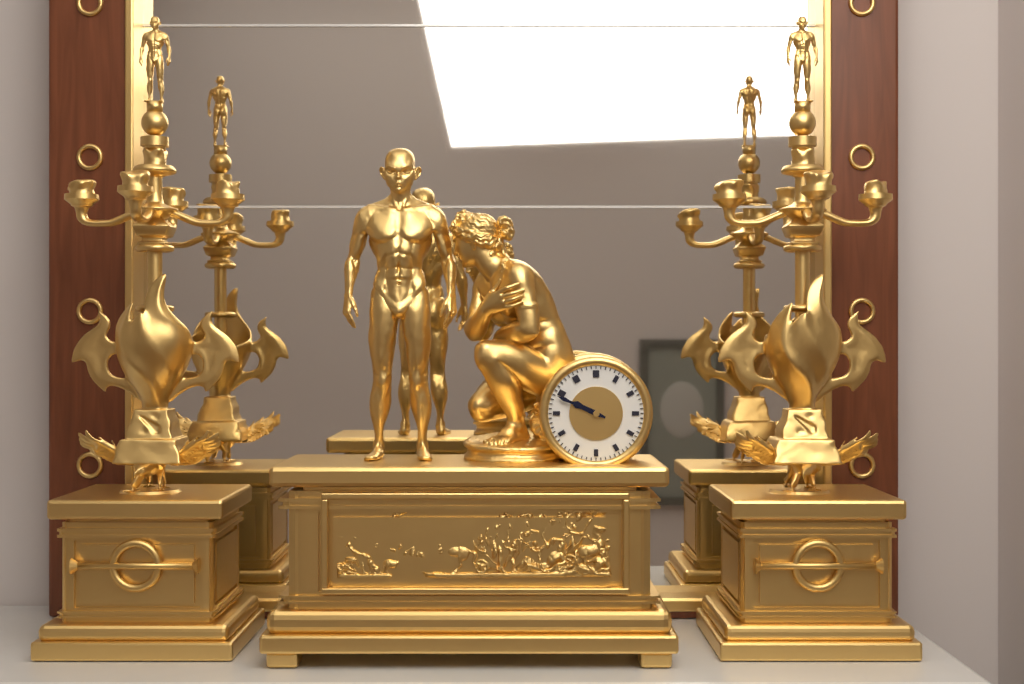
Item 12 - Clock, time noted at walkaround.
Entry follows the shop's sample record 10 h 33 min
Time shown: 9 h 49 min
